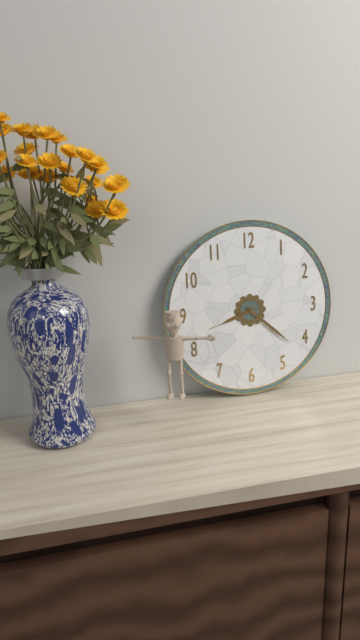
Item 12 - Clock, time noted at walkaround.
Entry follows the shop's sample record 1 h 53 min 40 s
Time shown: 8 h 22 min 42 s
